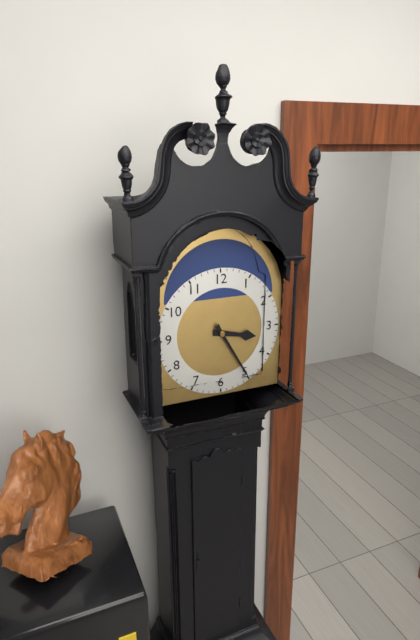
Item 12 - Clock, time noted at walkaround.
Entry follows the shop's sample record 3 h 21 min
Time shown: 3 h 25 min
